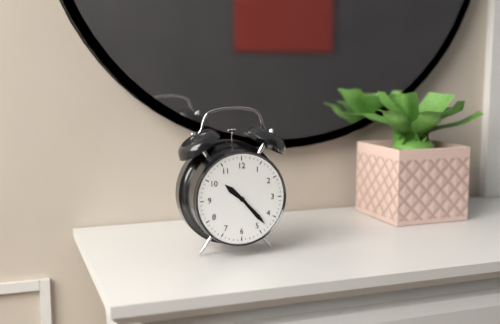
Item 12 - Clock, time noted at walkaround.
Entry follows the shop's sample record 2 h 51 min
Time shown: 10 h 23 min
